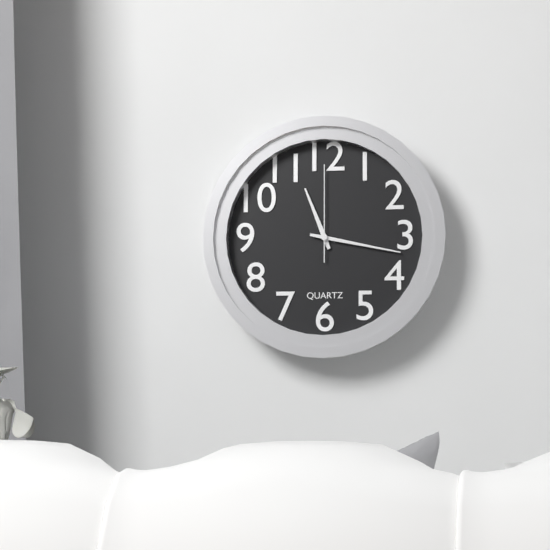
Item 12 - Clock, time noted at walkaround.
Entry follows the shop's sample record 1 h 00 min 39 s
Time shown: 11 h 17 min 00 s
